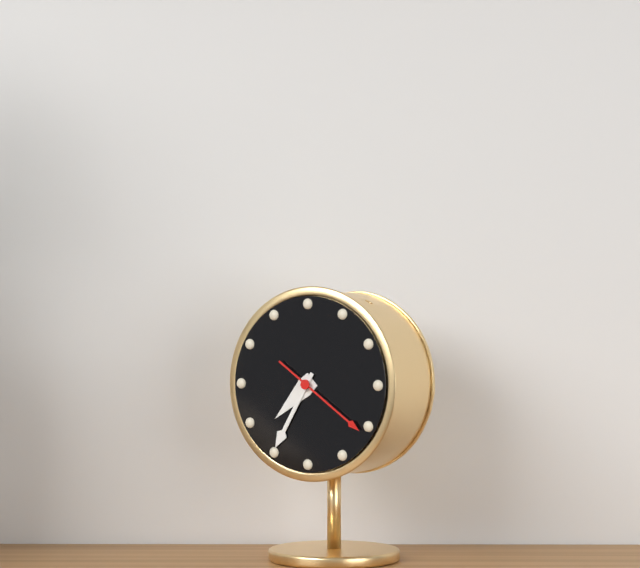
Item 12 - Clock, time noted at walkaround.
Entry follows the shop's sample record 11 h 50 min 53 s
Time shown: 7 h 35 min 21 s
